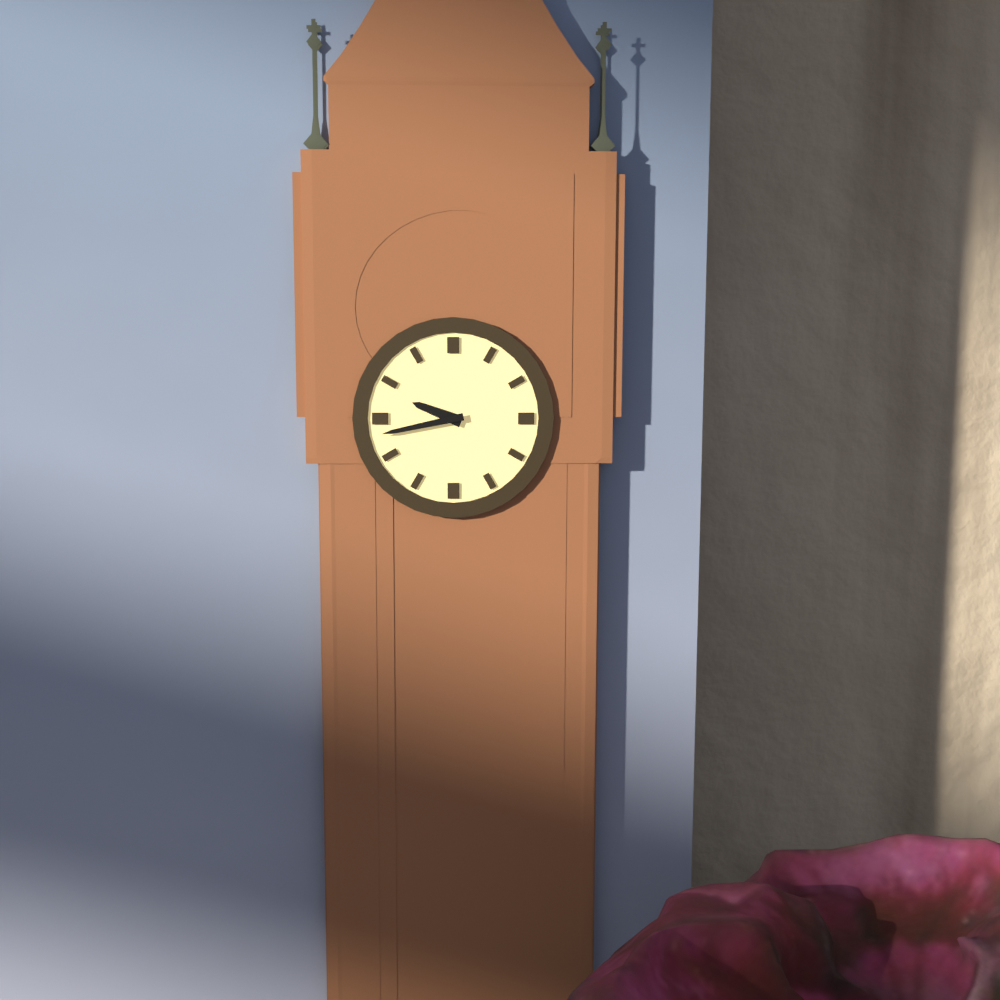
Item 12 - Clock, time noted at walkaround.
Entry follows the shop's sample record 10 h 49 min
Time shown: 9 h 43 min
